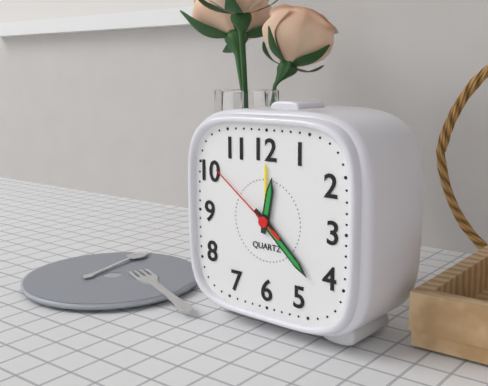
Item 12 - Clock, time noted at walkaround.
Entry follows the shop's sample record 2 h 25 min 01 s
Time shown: 12 h 22 min 51 s
